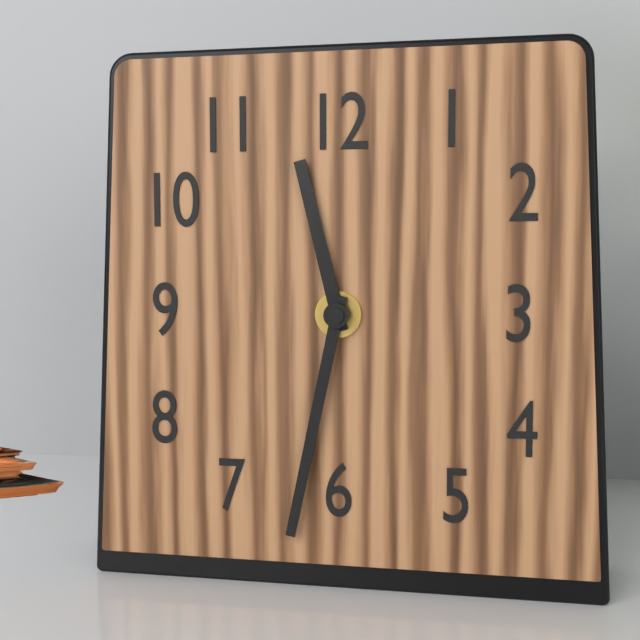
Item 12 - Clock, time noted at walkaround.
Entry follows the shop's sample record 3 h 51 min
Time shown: 11 h 32 min
